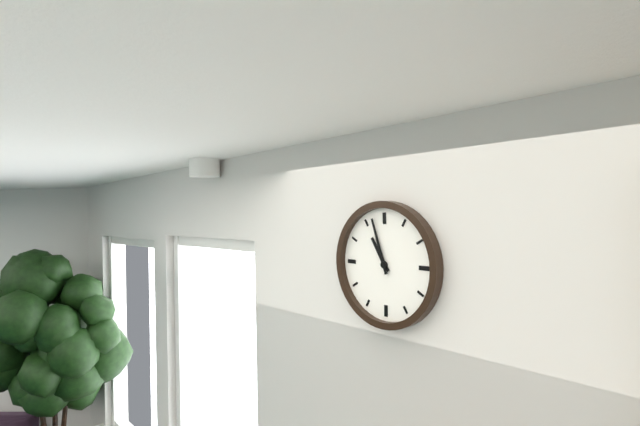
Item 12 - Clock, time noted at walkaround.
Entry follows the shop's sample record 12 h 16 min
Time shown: 10 h 57 min
